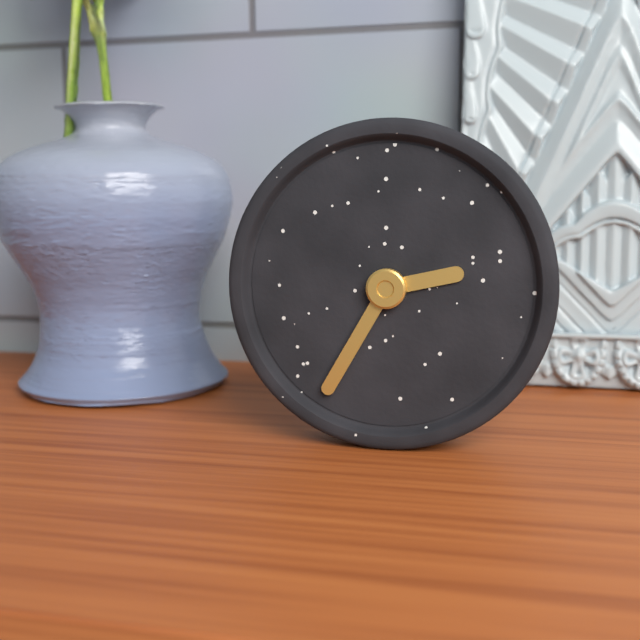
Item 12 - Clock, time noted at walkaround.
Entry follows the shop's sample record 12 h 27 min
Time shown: 2 h 35 min
